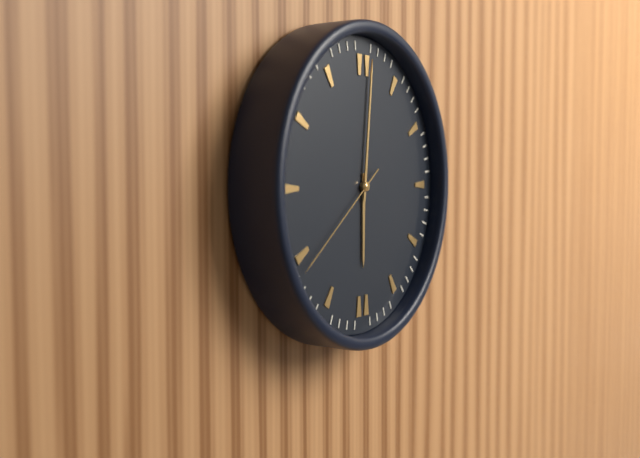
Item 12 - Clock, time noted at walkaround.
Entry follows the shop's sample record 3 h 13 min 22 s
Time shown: 6 h 01 min 39 s
